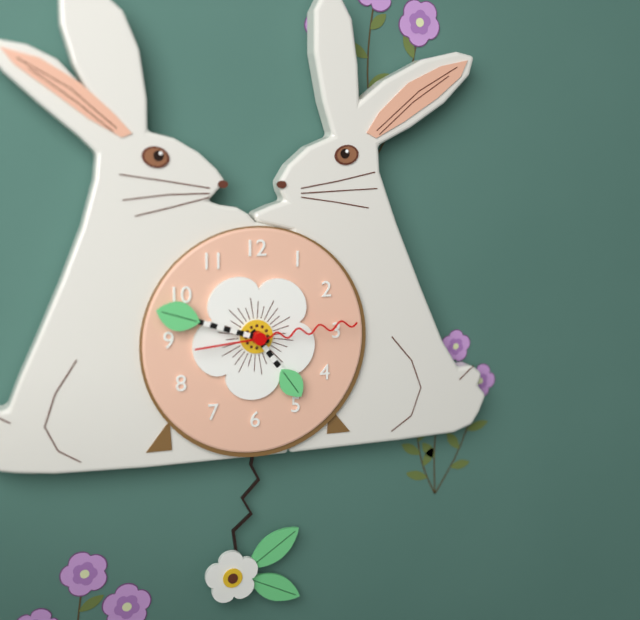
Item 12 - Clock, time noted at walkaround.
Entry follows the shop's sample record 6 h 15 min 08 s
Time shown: 4 h 48 min 14 s
